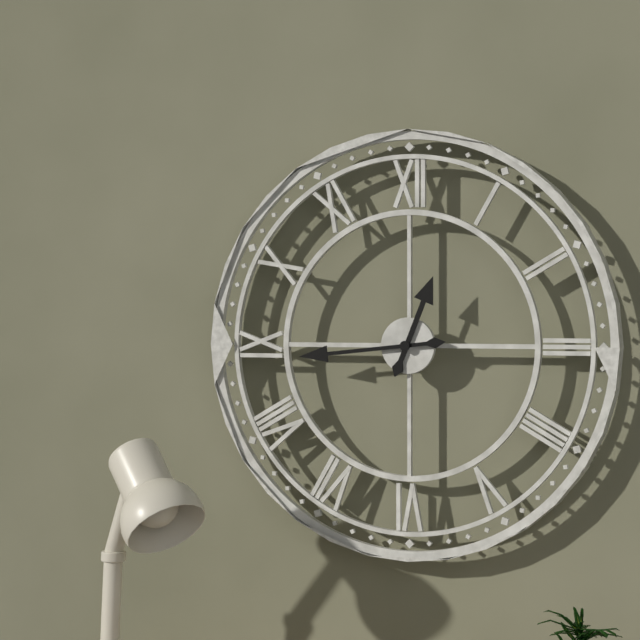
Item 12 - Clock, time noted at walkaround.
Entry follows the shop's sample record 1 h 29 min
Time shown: 12 h 44 min
